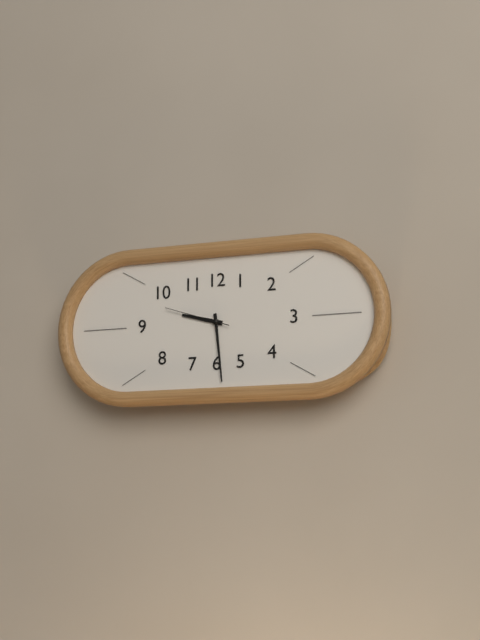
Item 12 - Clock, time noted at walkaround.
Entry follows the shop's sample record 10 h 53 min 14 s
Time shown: 9 h 29 min 48 s
